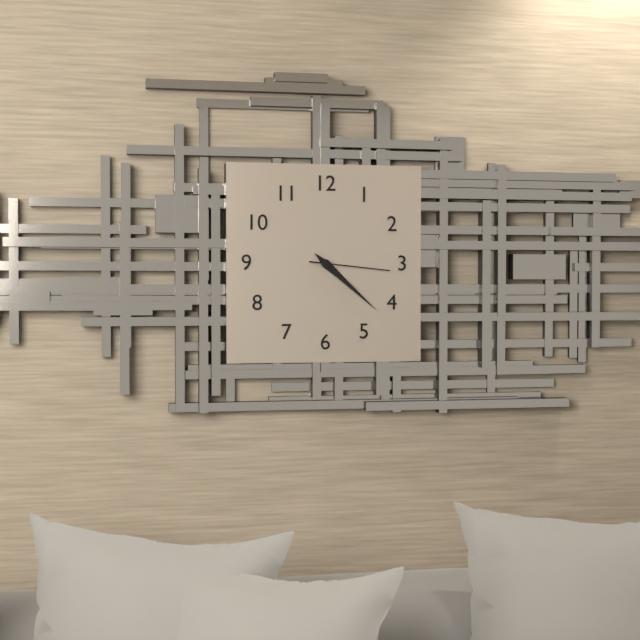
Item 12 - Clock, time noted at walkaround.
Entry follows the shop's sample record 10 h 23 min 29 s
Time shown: 4 h 22 min 16 s
